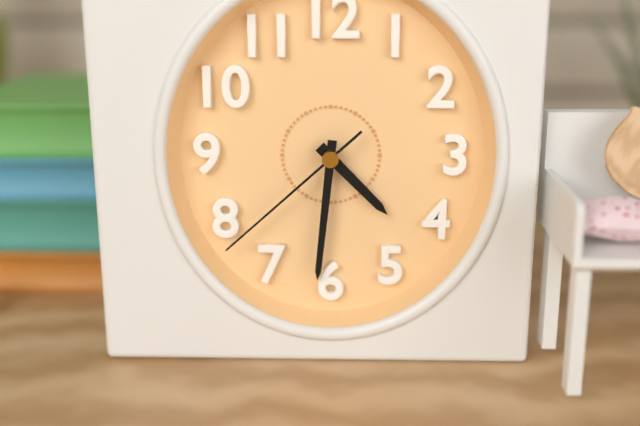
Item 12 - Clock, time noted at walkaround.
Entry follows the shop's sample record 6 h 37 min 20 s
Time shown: 4 h 31 min 38 s
